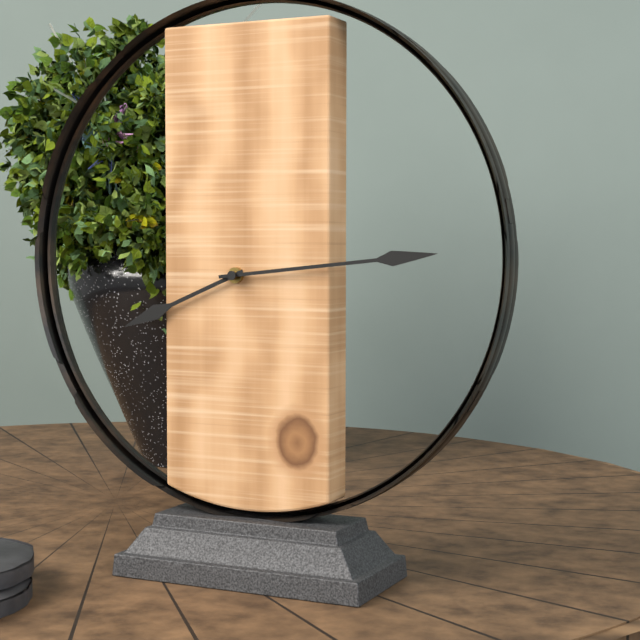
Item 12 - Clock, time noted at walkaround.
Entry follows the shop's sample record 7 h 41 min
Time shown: 8 h 14 min
